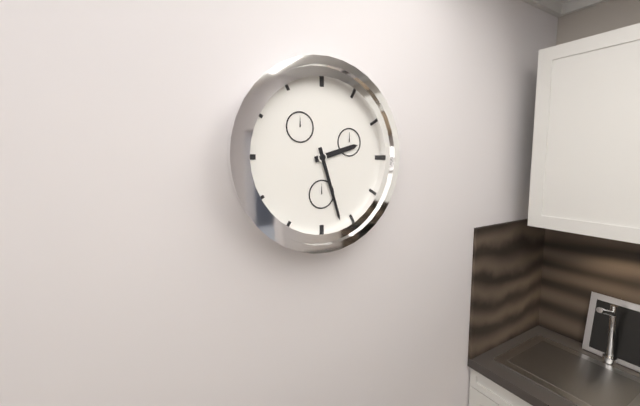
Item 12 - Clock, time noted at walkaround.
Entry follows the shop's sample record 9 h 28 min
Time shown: 2 h 27 min
